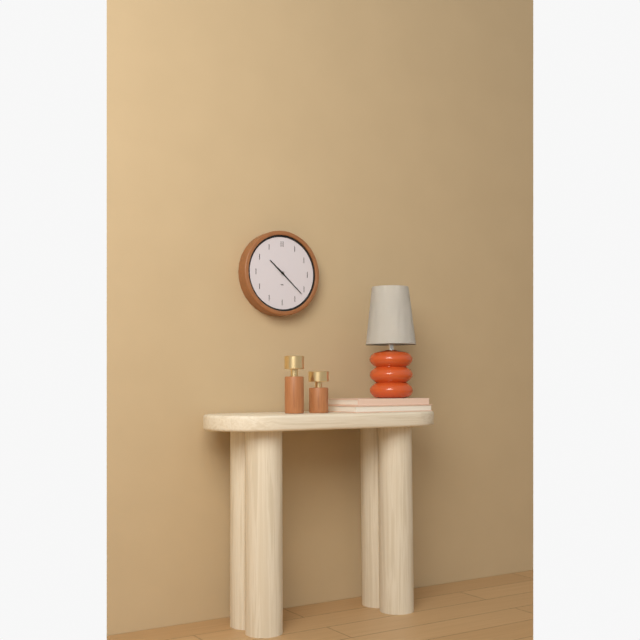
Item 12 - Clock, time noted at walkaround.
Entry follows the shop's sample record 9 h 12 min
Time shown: 10 h 22 min
